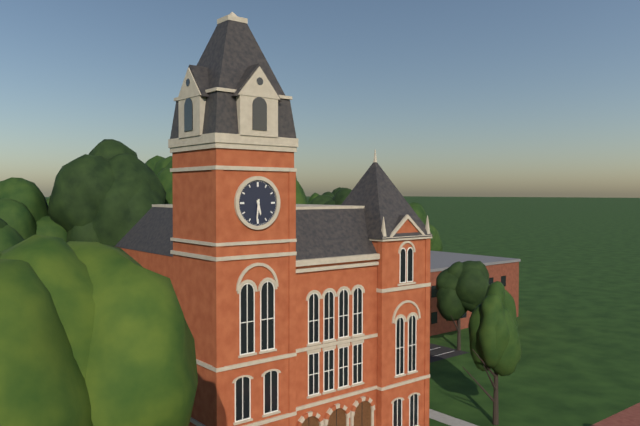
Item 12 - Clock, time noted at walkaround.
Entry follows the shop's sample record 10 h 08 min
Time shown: 5 h 31 min
